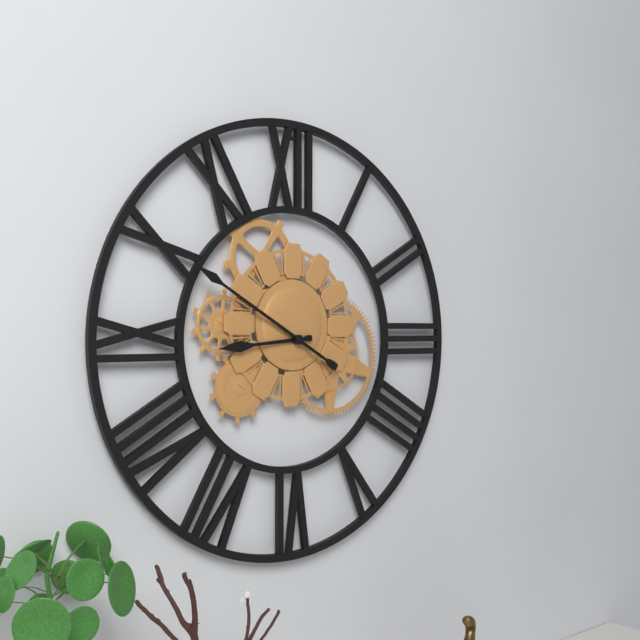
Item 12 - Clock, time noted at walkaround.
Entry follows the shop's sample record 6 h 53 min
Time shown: 8 h 50 min
